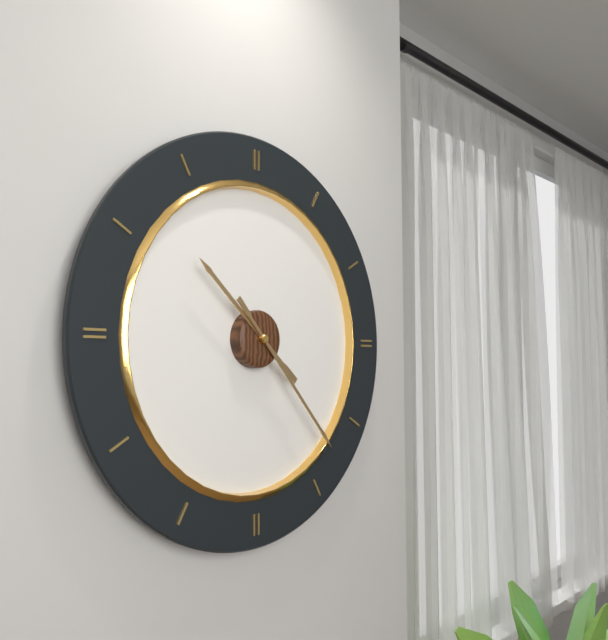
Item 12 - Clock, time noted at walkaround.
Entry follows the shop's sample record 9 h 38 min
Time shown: 10 h 23 min
